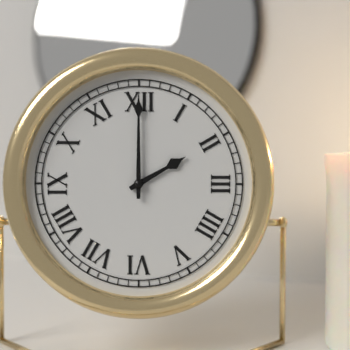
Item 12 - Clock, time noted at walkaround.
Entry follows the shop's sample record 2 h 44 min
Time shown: 2 h 00 min
